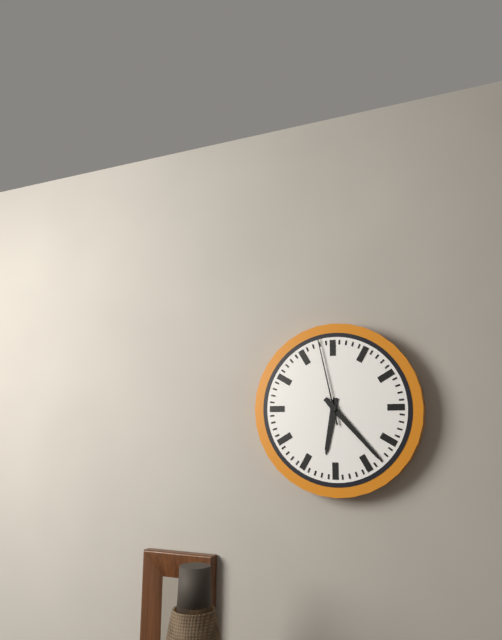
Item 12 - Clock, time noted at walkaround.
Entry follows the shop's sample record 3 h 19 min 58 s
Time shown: 6 h 23 min 58 s
